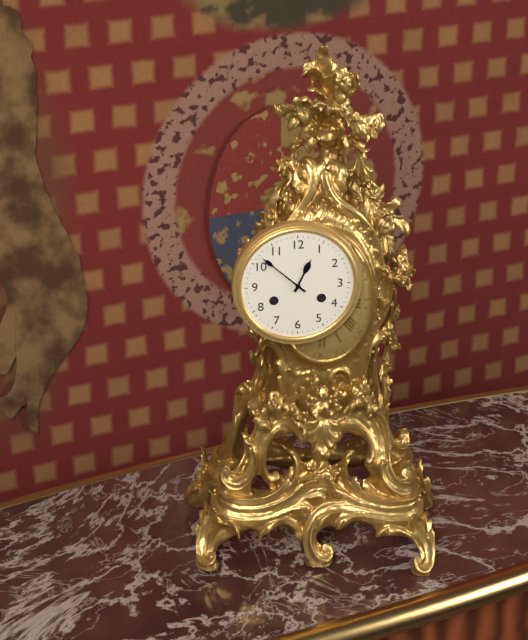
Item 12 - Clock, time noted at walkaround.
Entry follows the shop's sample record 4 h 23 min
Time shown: 12 h 52 min
